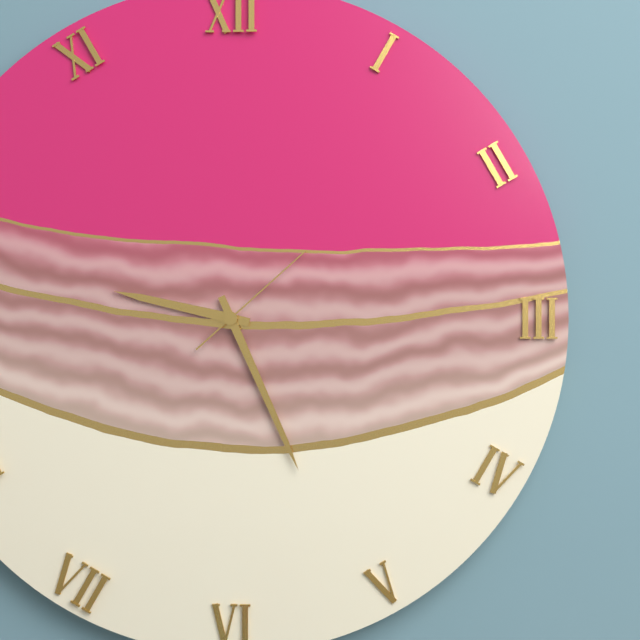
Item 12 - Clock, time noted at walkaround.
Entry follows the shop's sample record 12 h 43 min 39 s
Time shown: 9 h 26 min 08 s
